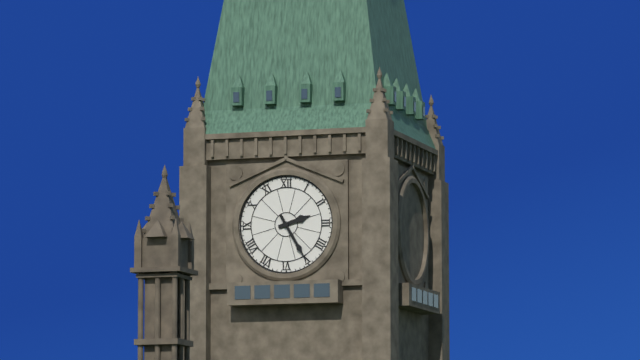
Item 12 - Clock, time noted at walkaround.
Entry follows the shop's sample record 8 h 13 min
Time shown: 2 h 25 min
